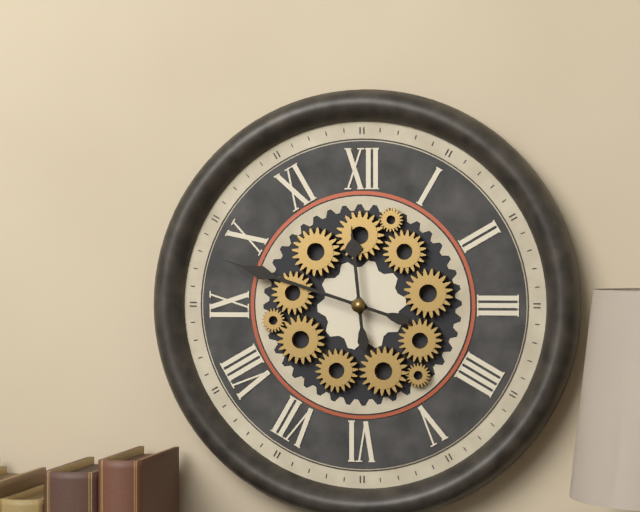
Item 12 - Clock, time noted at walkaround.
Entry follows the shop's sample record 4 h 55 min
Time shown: 11 h 48 min
